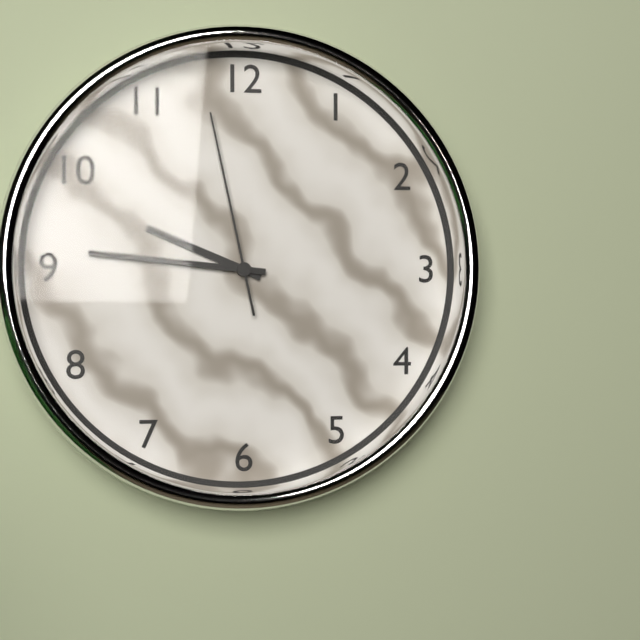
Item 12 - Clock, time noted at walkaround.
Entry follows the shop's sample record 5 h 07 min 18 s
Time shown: 9 h 46 min 58 s
